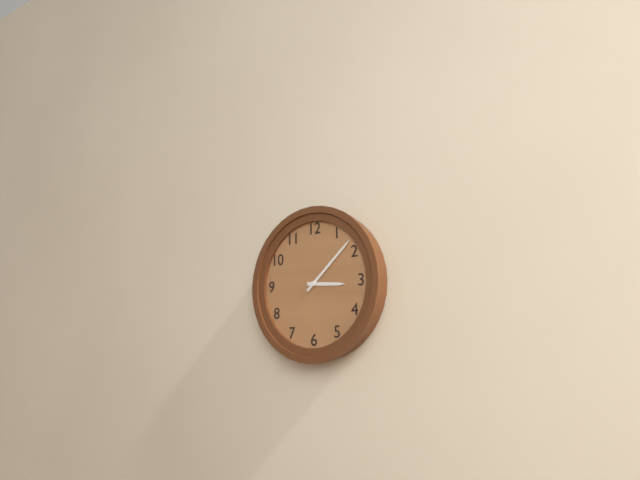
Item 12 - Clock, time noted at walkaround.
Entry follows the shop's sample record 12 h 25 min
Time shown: 3 h 08 min
